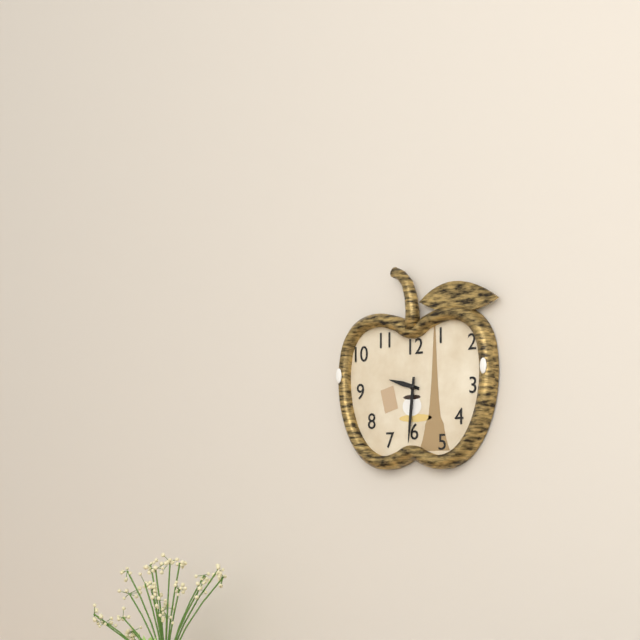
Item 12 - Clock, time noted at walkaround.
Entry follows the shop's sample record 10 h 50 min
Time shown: 9 h 31 min
